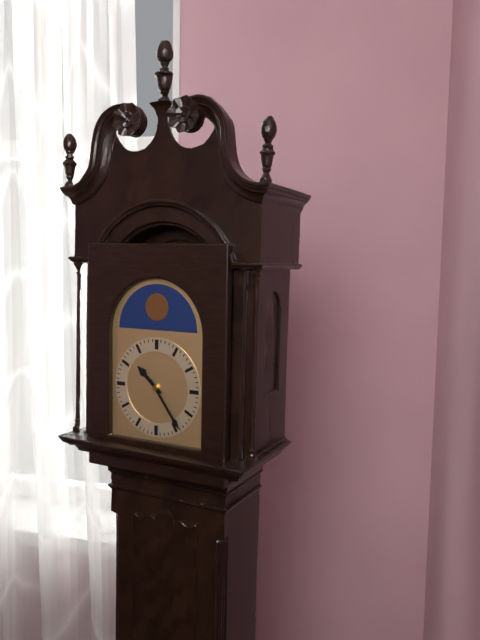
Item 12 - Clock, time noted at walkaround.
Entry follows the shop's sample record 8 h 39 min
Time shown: 10 h 24 min
